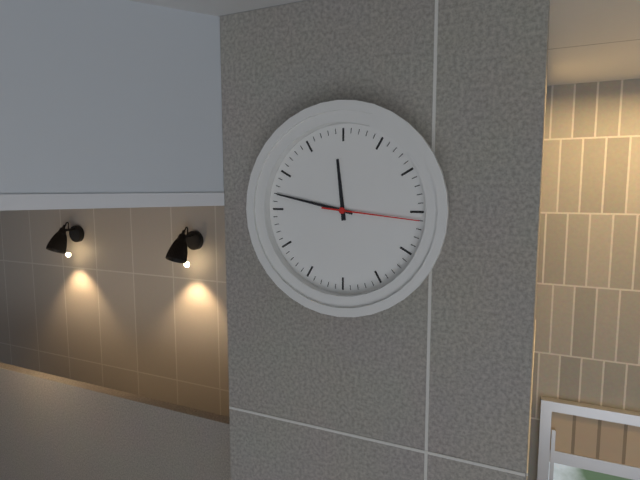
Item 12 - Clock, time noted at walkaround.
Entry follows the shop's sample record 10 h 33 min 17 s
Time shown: 11 h 47 min 16 s
